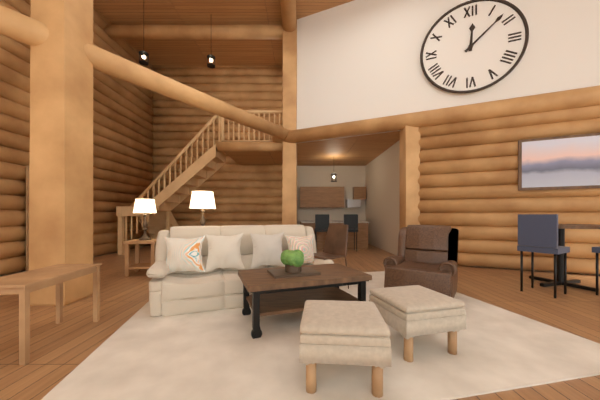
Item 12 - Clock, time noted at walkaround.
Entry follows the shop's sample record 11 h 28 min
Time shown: 12 h 08 min
